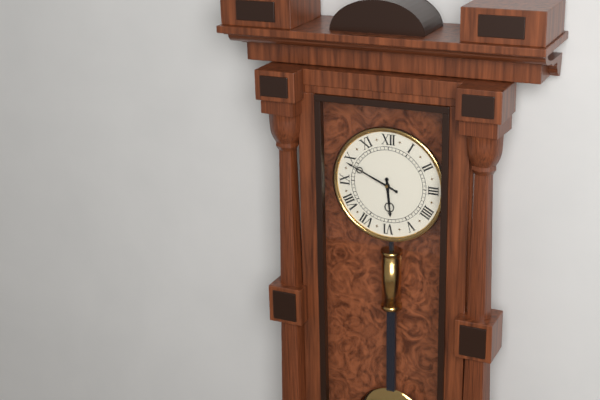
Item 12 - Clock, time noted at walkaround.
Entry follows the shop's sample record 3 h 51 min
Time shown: 5 h 49 min
